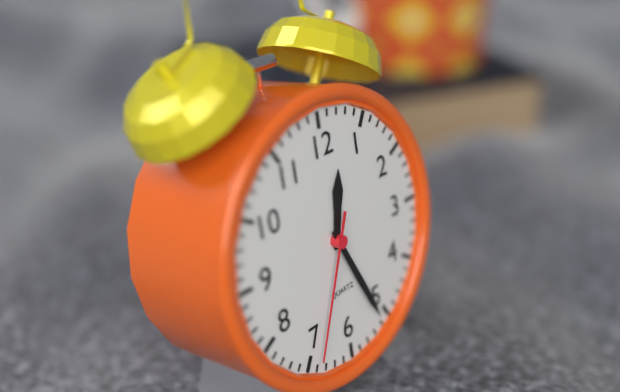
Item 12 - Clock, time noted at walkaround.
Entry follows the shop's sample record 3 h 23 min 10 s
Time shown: 12 h 26 min 34 s
